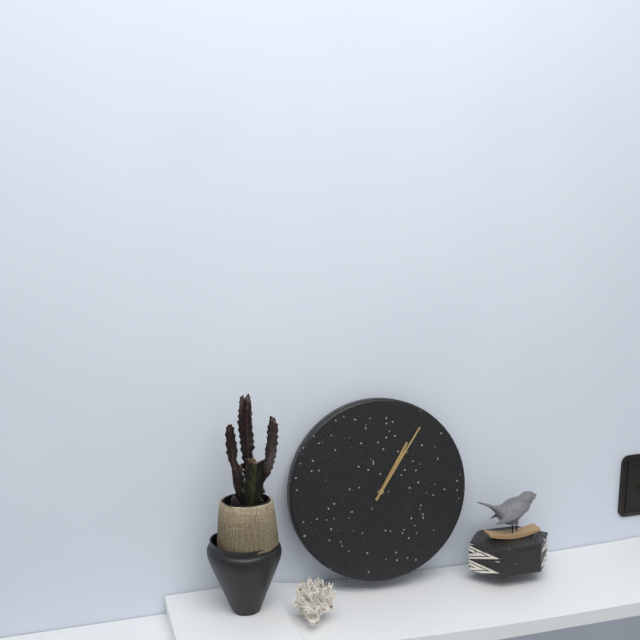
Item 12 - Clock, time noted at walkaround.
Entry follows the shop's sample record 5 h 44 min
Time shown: 1 h 06 min
